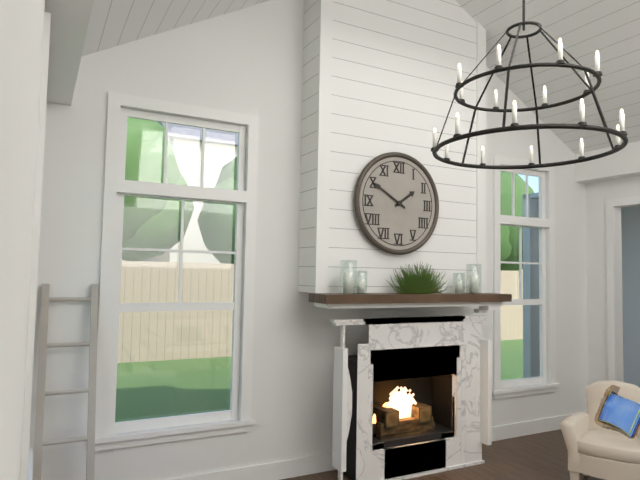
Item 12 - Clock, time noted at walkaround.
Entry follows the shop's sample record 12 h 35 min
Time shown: 1 h 50 min
